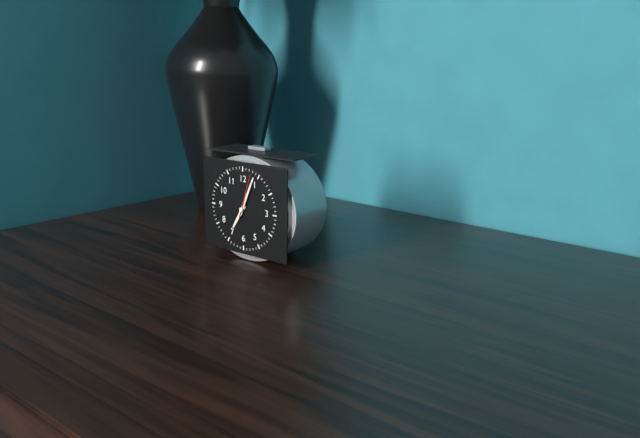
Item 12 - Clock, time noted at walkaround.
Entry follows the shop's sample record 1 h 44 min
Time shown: 7 h 04 min
